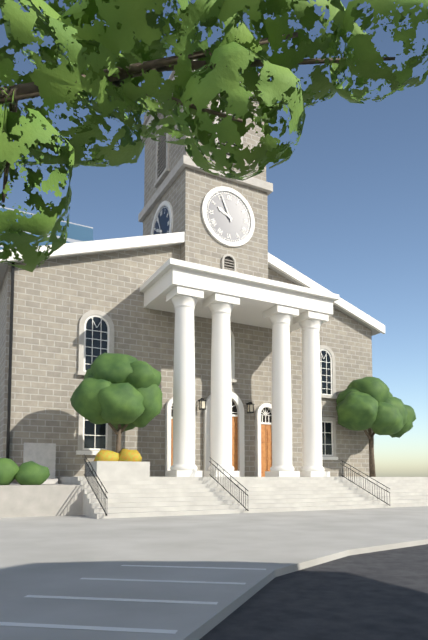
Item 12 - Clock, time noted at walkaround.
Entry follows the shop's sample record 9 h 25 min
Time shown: 9 h 56 min
